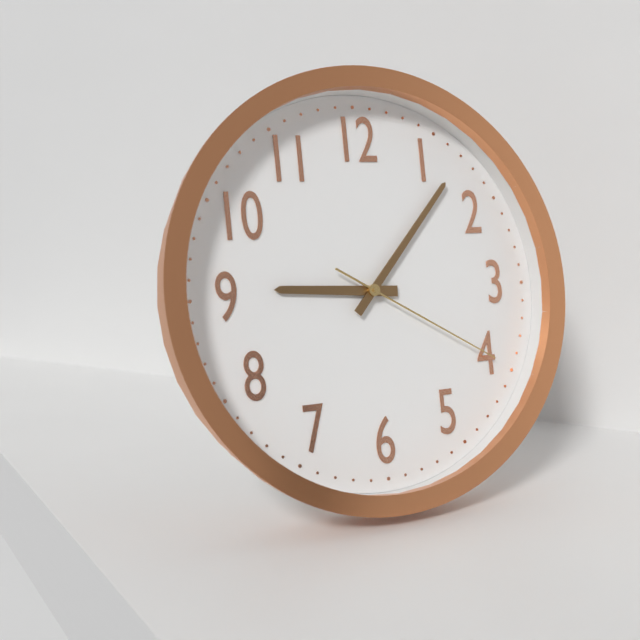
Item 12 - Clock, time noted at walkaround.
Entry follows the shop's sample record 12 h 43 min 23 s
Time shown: 9 h 07 min 20 s
